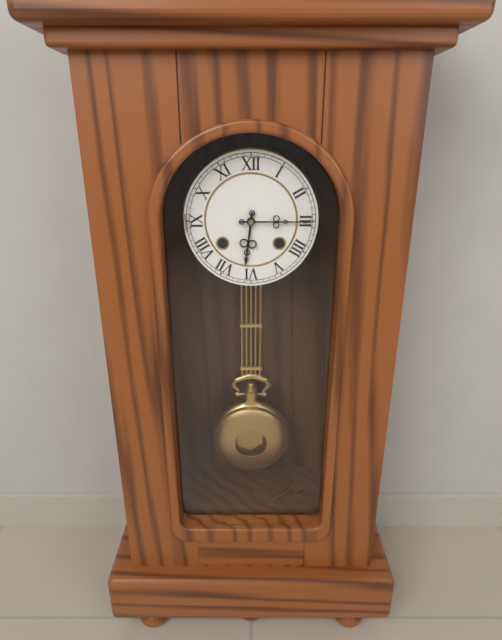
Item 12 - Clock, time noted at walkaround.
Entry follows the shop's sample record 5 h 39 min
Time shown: 6 h 15 min
